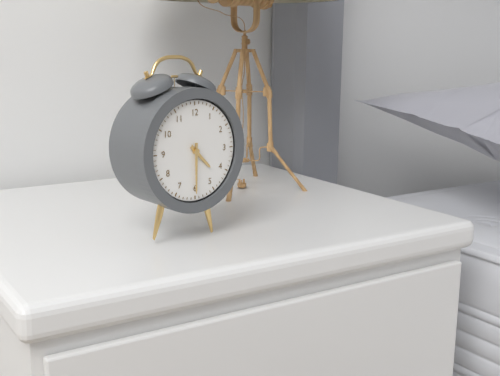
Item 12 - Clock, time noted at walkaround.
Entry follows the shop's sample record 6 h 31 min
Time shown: 4 h 30 min
